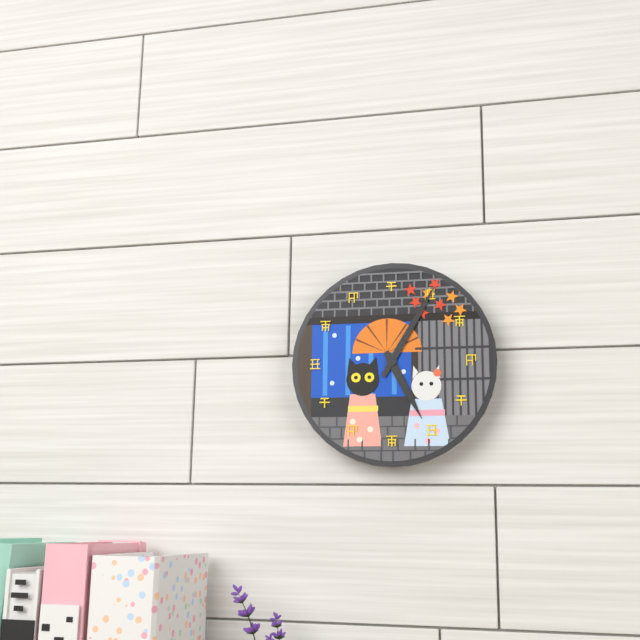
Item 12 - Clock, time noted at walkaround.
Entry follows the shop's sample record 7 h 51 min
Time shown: 5 h 05 min
